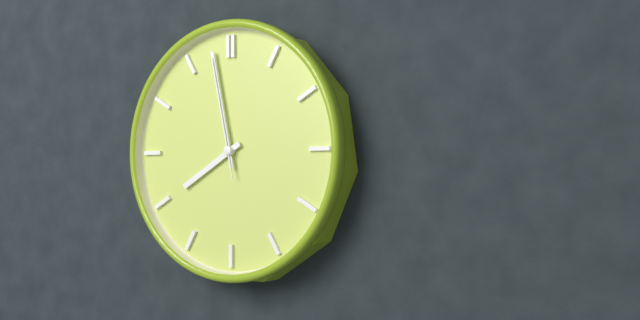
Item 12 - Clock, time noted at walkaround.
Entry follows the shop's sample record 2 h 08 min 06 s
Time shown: 7 h 58 min 58 s
